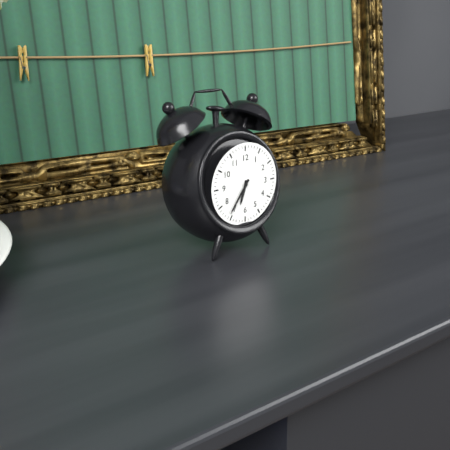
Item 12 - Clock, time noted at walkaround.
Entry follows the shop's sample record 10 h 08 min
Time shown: 6 h 36 min
